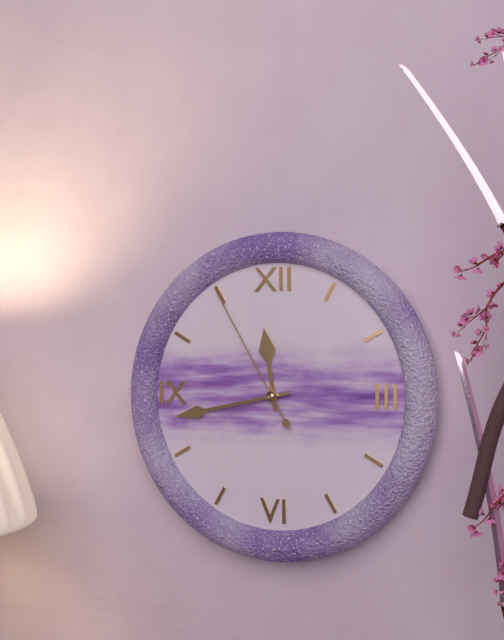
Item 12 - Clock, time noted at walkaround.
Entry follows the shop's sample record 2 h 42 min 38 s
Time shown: 11 h 43 min 55 s
